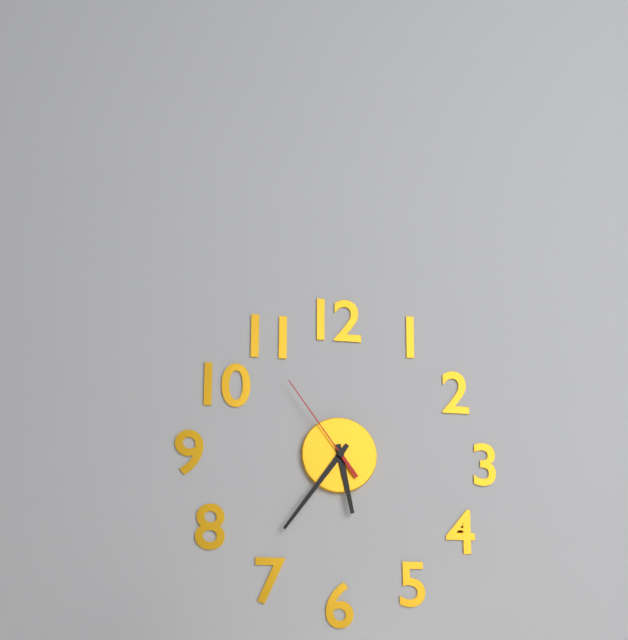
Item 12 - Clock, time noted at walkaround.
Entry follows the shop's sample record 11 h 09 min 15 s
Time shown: 5 h 36 min 54 s
